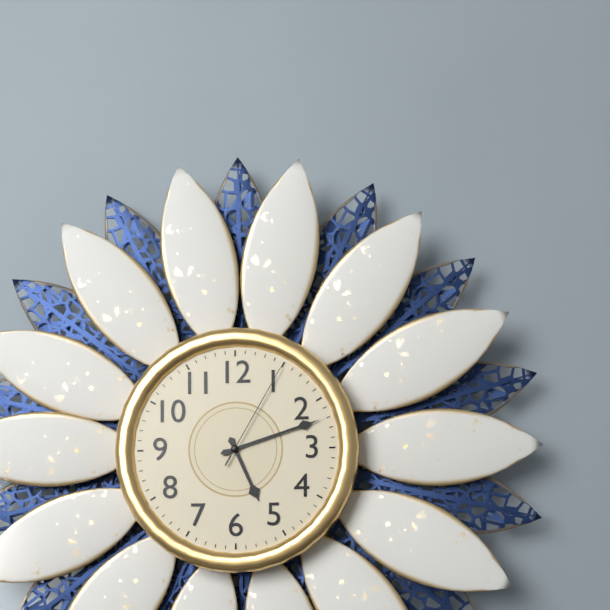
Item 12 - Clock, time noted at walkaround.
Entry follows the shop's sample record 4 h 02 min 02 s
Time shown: 5 h 12 min 05 s
